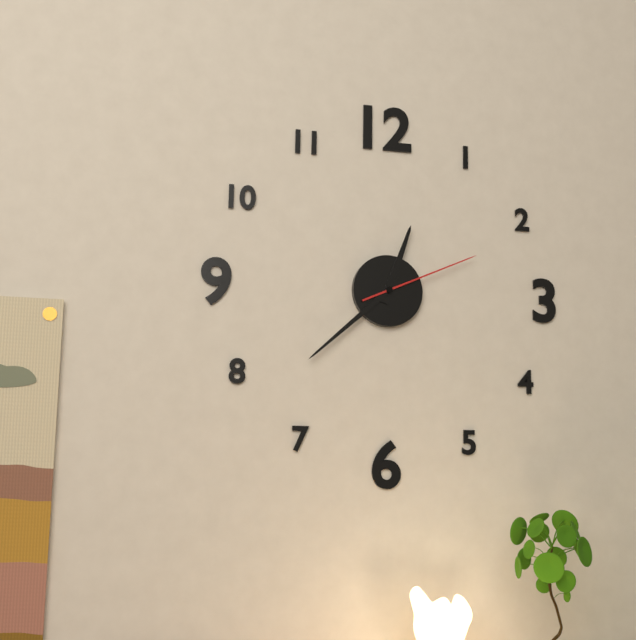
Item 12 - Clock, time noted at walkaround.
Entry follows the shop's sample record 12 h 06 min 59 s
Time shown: 12 h 38 min 11 s
